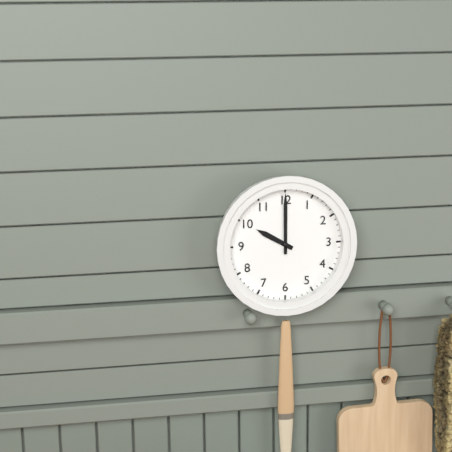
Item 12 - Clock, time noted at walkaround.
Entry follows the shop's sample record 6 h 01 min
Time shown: 10 h 00 min
